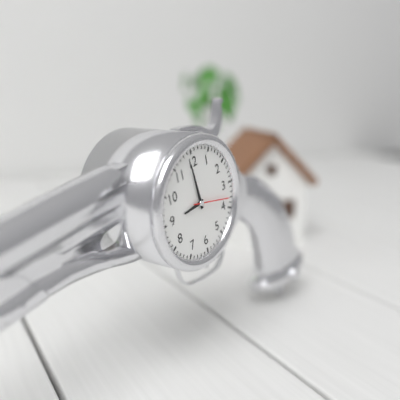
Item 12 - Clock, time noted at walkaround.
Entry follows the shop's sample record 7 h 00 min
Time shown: 8 h 59 min
